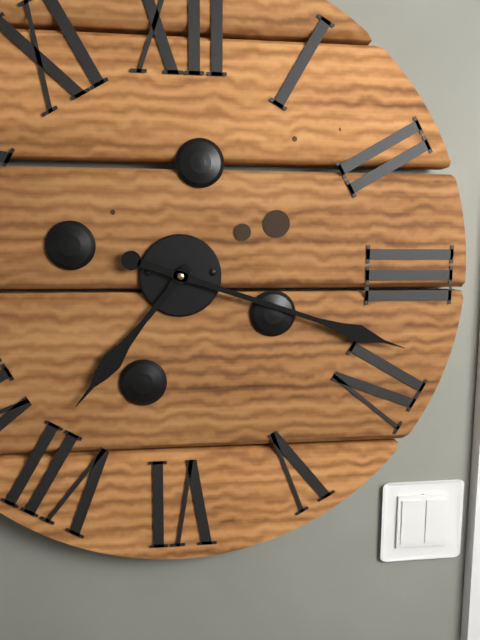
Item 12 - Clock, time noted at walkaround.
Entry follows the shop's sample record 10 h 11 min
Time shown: 7 h 18 min
